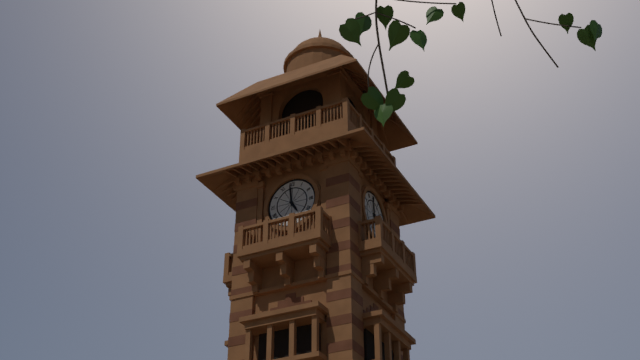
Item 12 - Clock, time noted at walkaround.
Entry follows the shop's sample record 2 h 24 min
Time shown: 4 h 59 min
